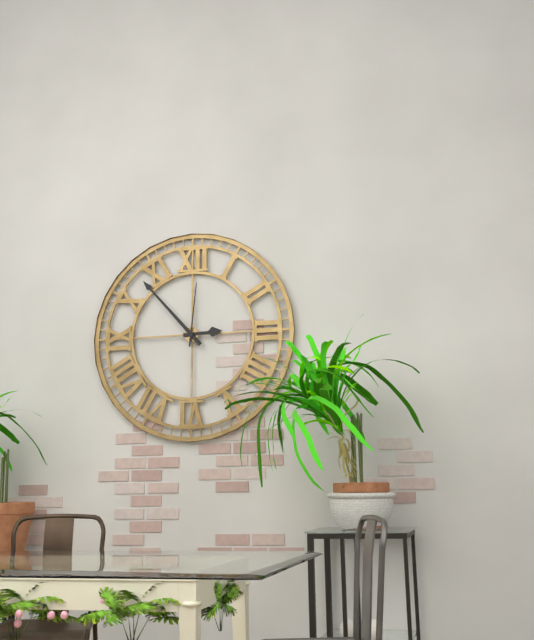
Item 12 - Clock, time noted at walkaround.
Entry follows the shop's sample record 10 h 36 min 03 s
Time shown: 2 h 53 min 01 s
